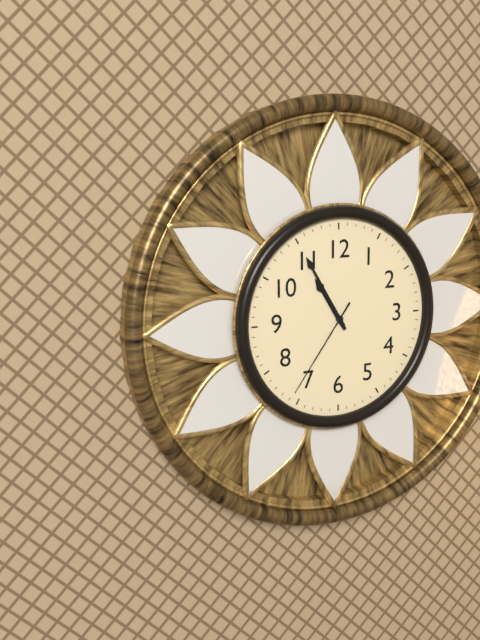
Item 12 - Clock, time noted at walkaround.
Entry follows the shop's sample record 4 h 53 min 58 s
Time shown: 10 h 55 min 36 s
